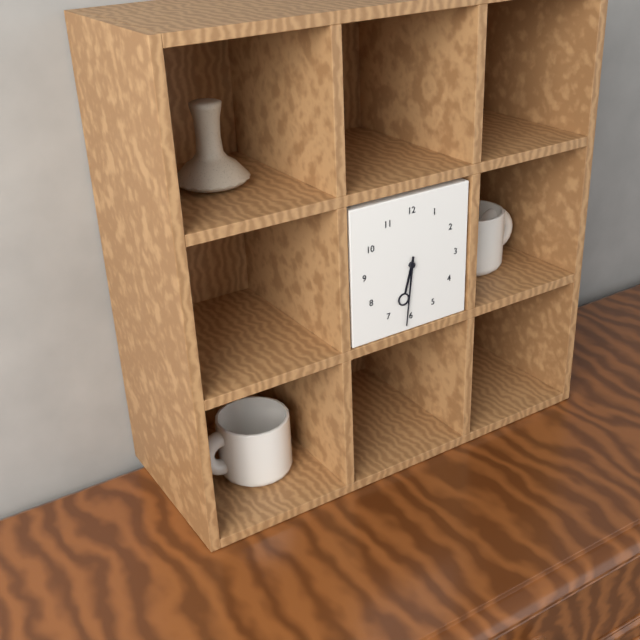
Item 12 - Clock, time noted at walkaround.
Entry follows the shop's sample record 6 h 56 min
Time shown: 6 h 31 min
